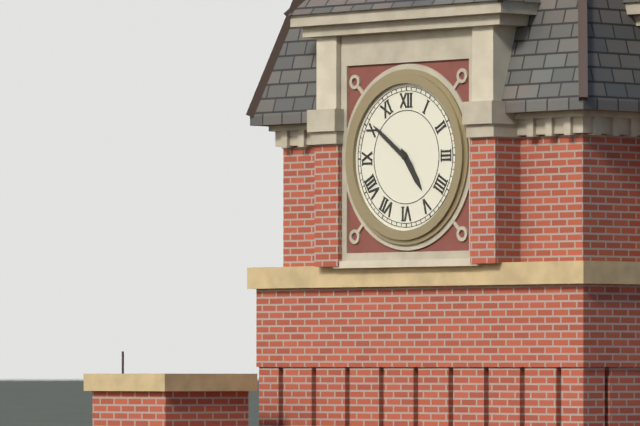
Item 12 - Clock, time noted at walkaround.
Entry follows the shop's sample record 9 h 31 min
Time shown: 4 h 51 min
